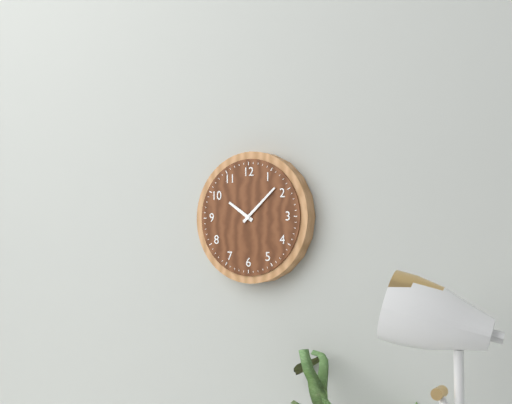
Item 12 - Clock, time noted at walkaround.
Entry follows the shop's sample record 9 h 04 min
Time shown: 10 h 08 min
